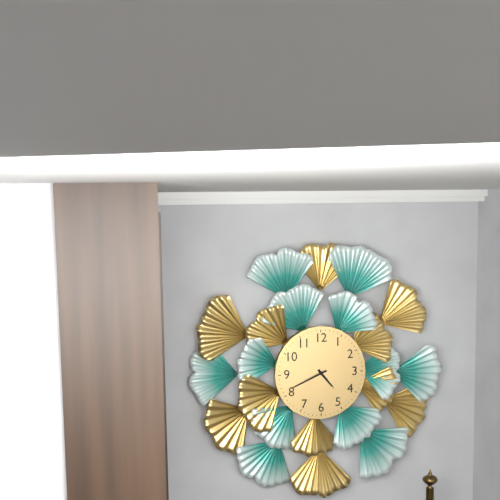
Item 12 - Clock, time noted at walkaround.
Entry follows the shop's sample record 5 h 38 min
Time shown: 4 h 41 min
